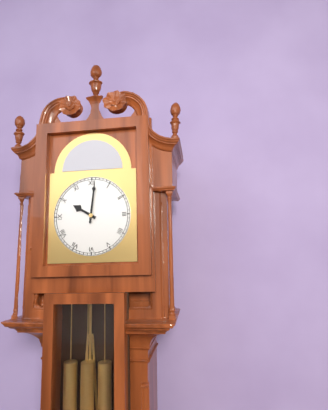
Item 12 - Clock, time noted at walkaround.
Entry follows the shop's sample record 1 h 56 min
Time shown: 10 h 01 min
